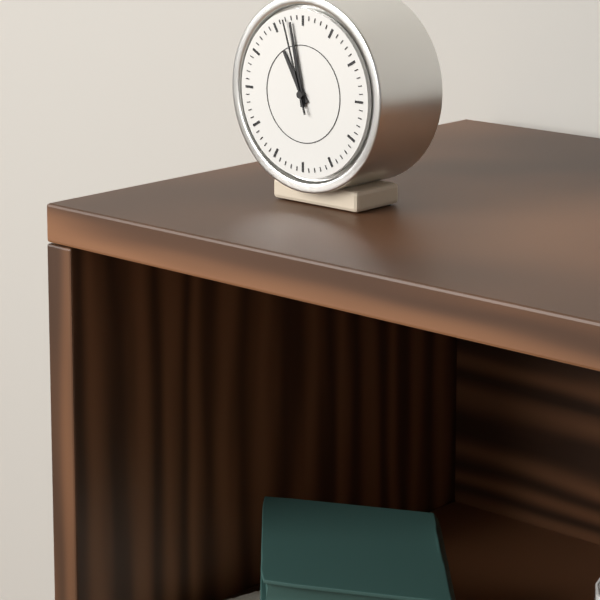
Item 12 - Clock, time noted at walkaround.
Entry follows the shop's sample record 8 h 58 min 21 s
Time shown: 10 h 58 min 57 s
